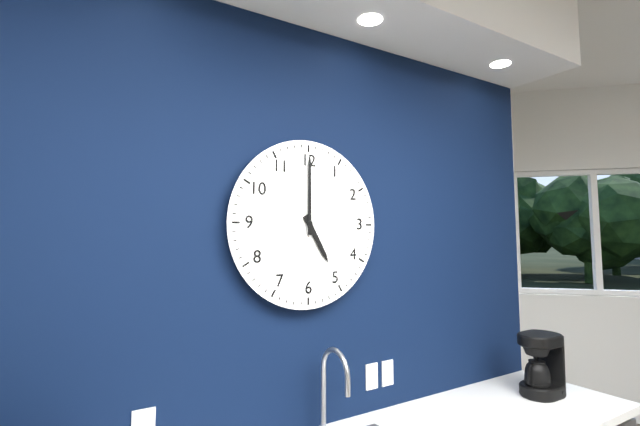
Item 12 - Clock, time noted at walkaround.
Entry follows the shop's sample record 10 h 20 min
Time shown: 5 h 00 min
